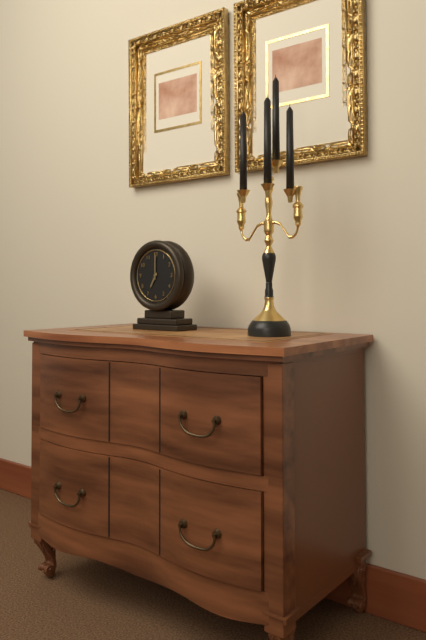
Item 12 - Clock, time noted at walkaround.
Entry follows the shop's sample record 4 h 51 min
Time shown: 7 h 00 min
